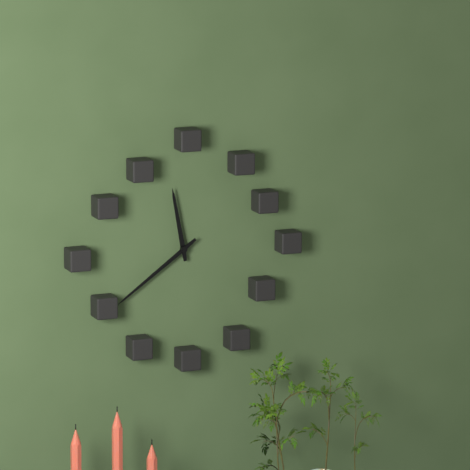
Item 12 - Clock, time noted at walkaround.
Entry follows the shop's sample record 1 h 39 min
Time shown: 11 h 39 min
